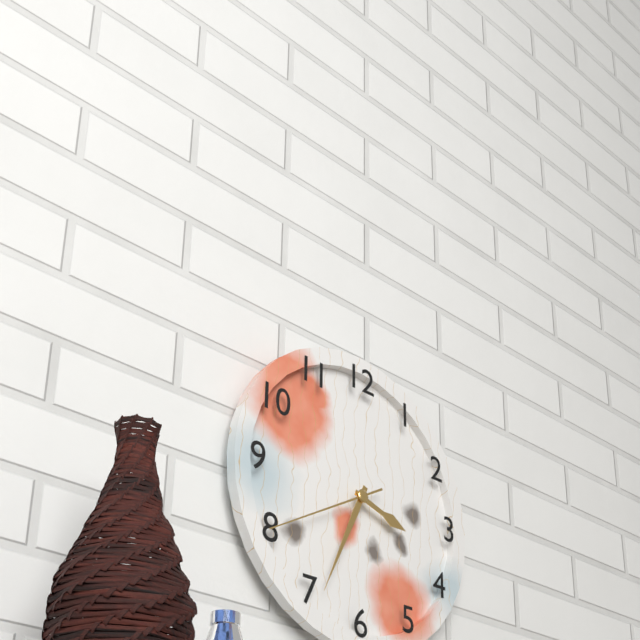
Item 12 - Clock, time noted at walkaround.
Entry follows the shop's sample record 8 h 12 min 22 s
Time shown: 3 h 34 min 40 s
